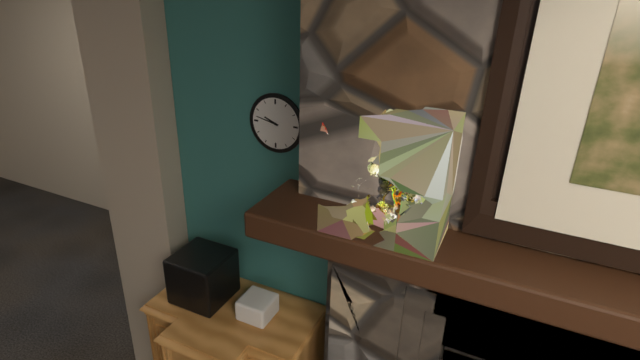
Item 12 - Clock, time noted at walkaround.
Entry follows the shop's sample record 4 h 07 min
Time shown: 9 h 47 min
